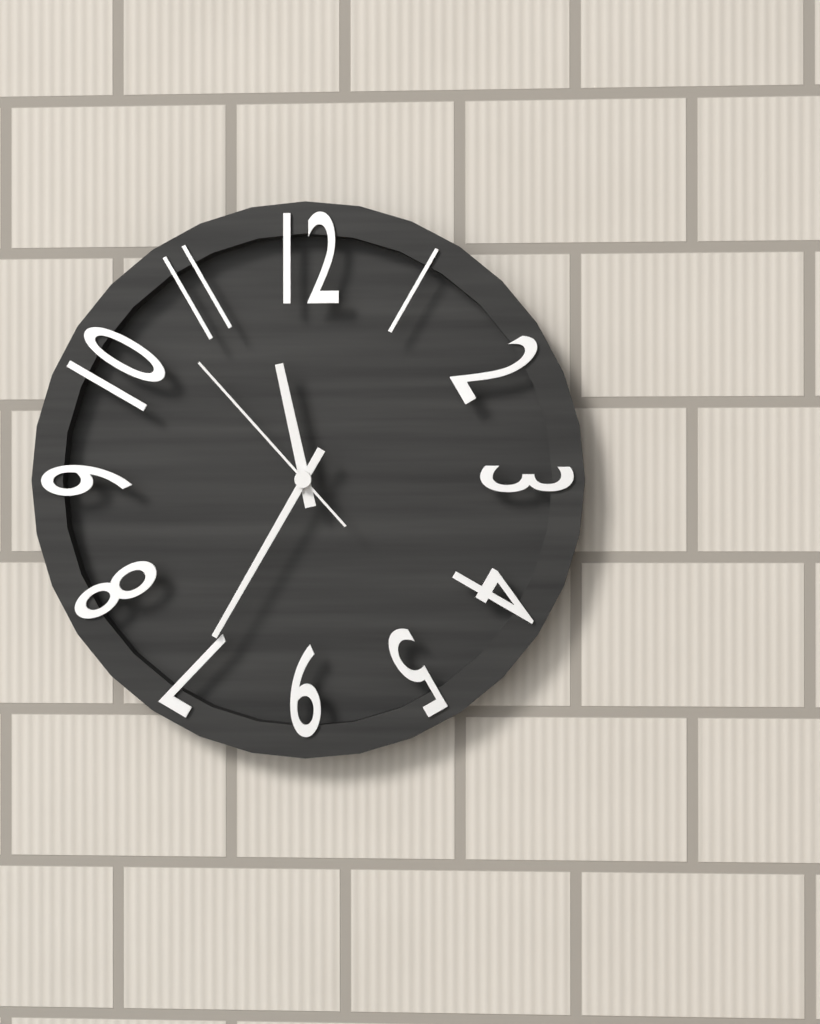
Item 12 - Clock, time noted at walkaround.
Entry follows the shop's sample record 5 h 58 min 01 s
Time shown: 11 h 35 min 53 s
